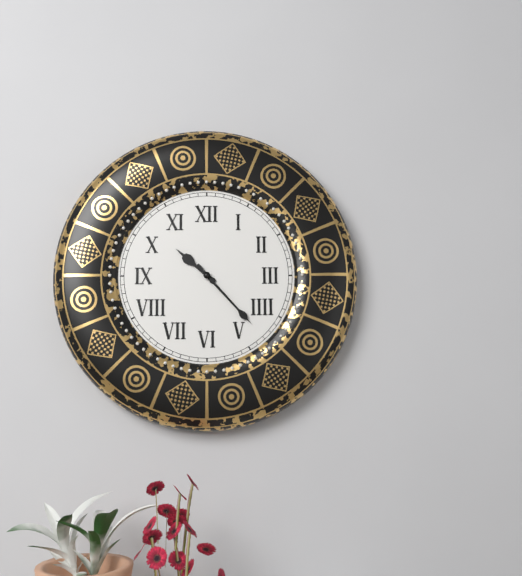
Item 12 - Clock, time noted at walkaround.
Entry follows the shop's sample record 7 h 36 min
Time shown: 10 h 23 min
